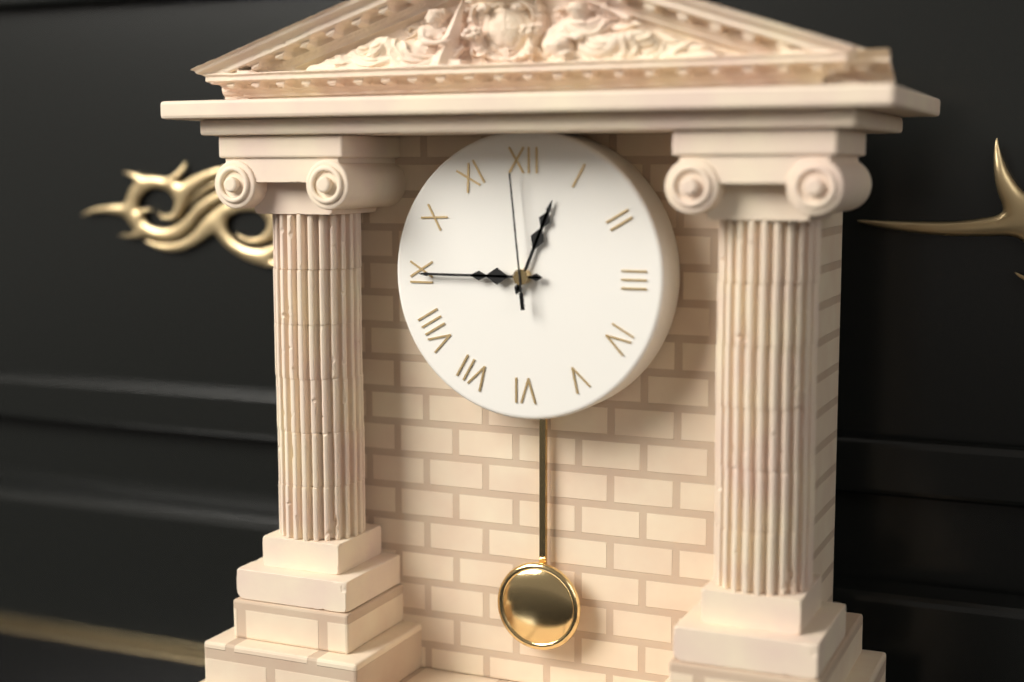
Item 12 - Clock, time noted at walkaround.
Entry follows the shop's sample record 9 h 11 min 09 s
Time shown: 12 h 45 min 59 s
